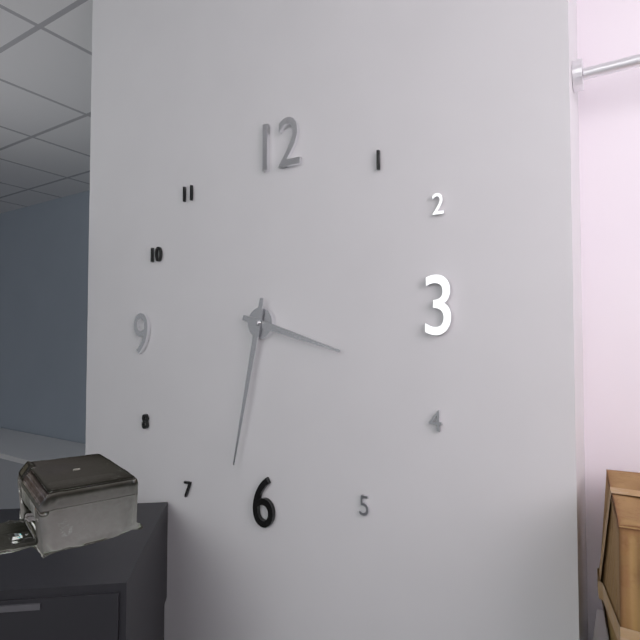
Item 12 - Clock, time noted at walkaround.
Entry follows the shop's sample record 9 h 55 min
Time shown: 3 h 32 min
